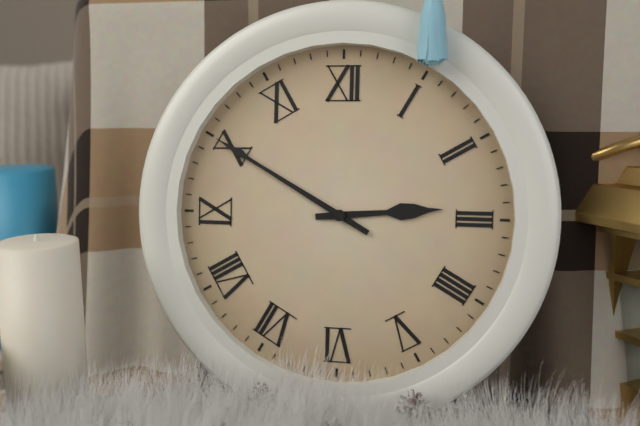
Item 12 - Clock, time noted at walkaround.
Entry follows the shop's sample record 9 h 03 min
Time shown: 2 h 50 min
